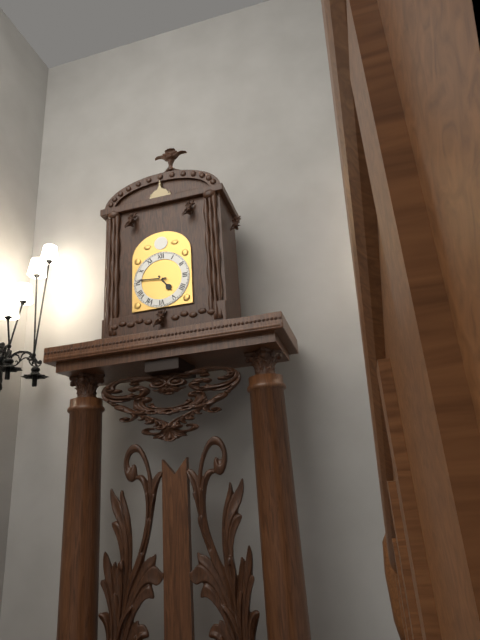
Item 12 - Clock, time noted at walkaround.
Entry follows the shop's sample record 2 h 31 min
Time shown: 4 h 46 min
